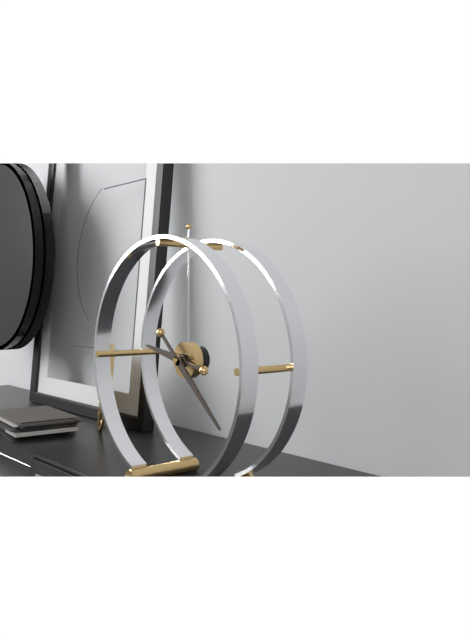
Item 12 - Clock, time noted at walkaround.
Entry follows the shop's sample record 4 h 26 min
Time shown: 9 h 22 min
